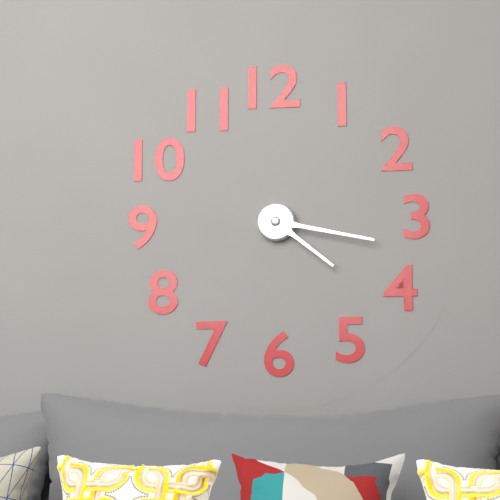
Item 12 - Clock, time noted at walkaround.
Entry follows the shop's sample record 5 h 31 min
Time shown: 4 h 17 min
